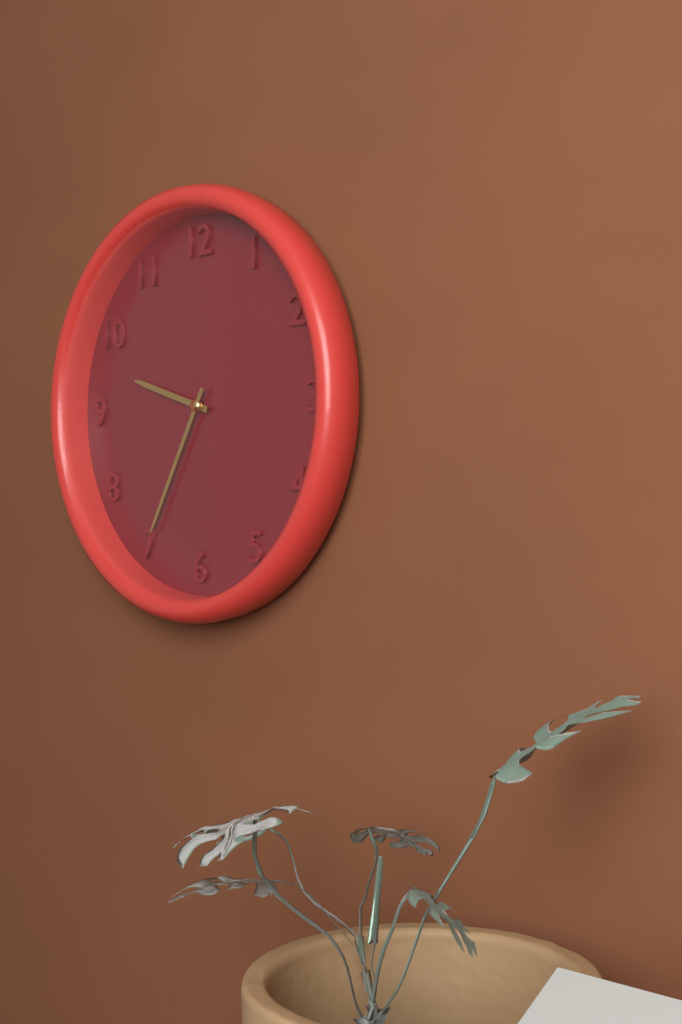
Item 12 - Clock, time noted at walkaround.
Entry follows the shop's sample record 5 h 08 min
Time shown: 9 h 35 min
